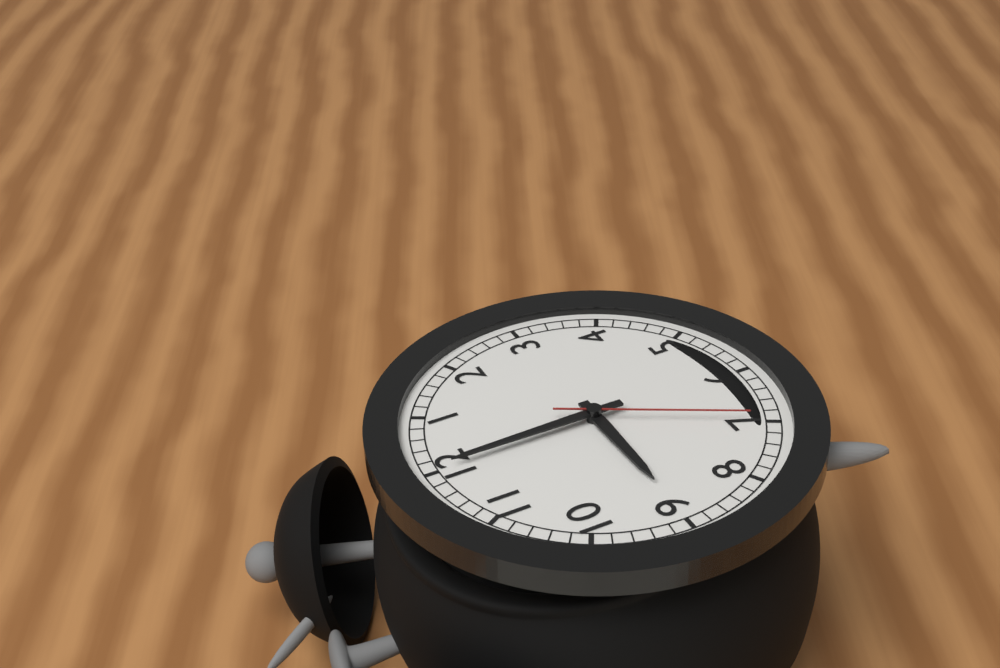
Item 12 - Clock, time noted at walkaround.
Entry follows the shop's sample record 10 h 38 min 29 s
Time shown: 9 h 00 min 35 s
